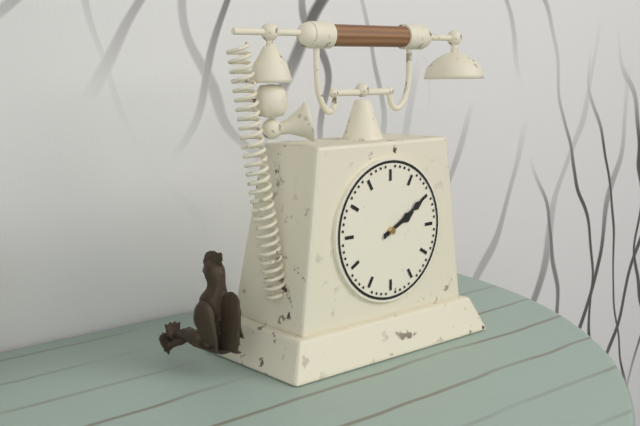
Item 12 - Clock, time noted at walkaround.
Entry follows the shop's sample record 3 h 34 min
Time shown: 2 h 10 min
